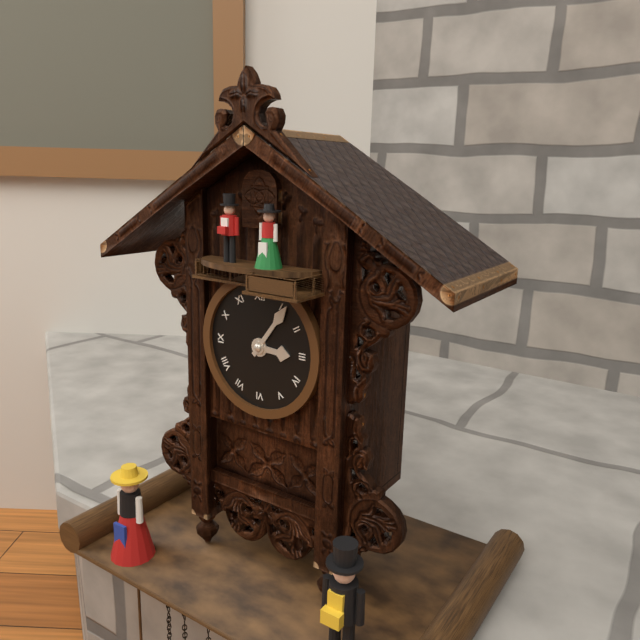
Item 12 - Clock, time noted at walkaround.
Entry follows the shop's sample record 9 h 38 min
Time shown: 3 h 06 min
